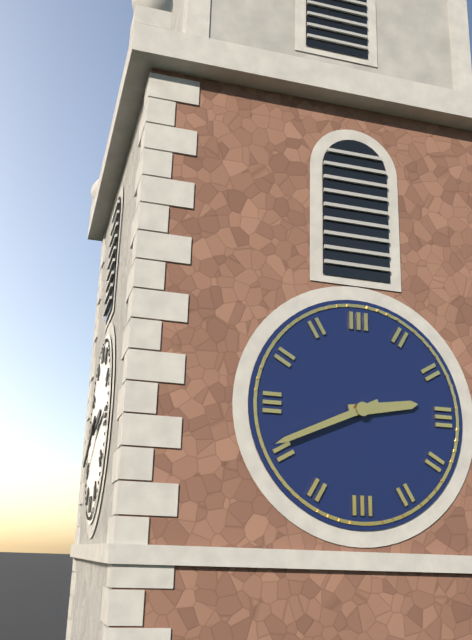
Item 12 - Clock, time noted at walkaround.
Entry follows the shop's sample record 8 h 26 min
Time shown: 2 h 41 min
